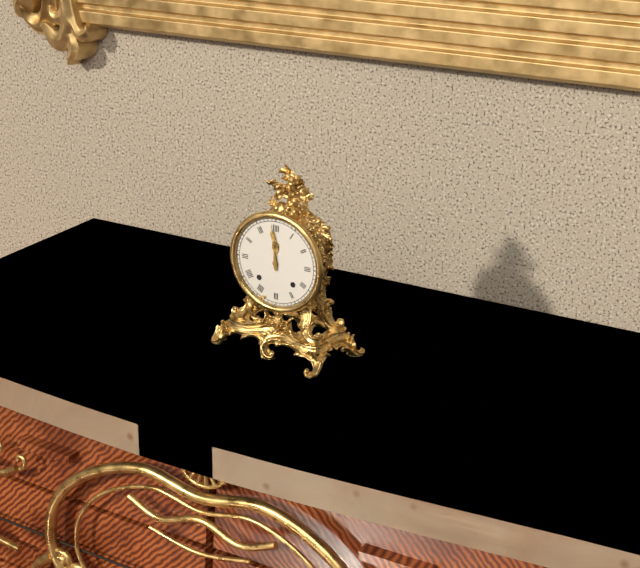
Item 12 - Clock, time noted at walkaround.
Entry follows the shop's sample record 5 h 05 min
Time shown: 11 h 59 min
